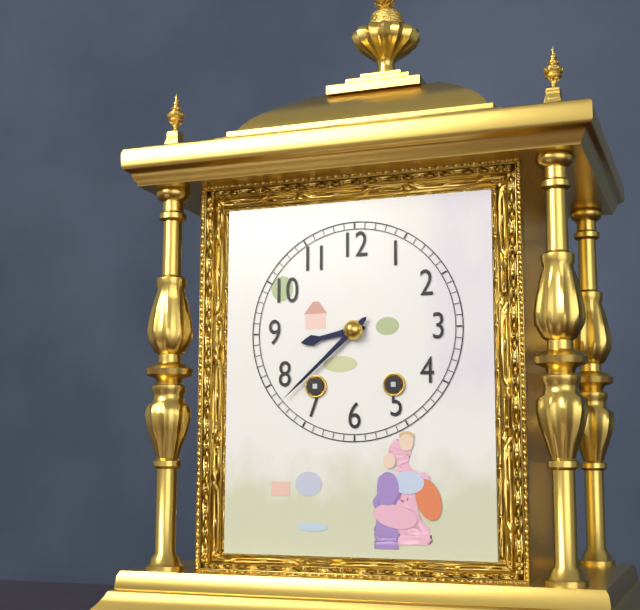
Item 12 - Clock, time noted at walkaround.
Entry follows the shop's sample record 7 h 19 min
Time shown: 8 h 38 min
